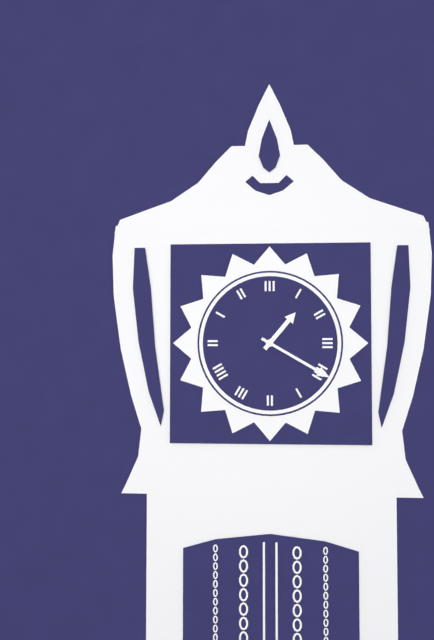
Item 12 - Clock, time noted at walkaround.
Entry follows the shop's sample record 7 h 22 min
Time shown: 1 h 20 min
